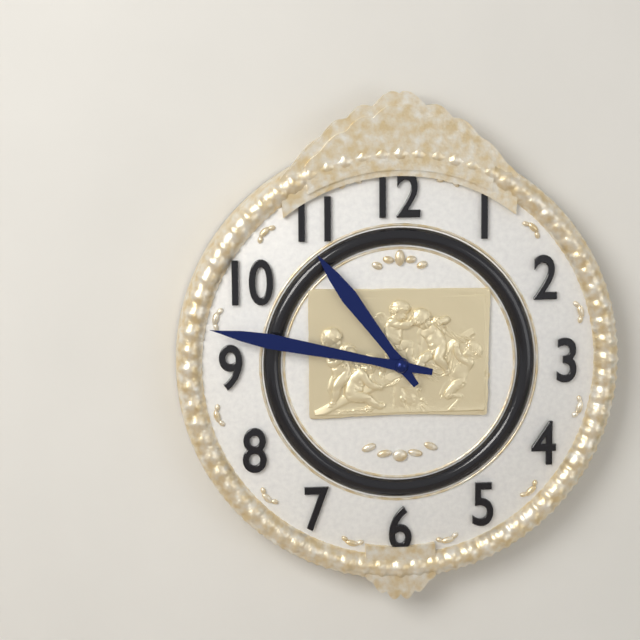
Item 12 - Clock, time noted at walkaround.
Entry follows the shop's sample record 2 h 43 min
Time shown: 10 h 47 min
